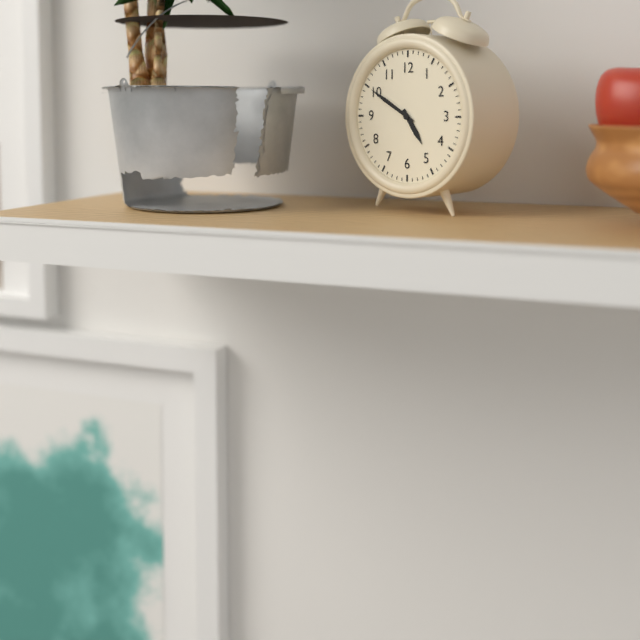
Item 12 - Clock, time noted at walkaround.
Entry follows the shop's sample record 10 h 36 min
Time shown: 4 h 50 min
